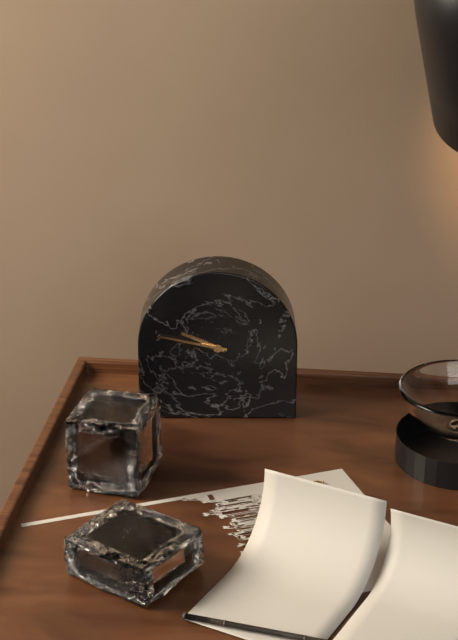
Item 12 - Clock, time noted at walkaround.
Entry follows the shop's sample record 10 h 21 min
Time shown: 9 h 47 min
